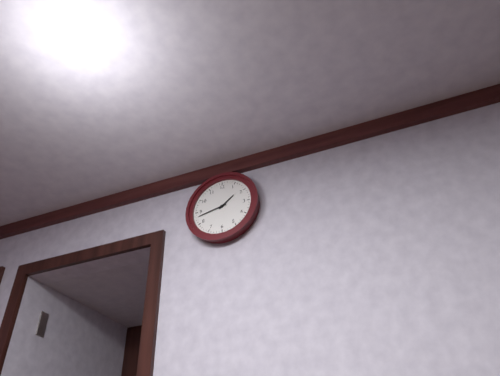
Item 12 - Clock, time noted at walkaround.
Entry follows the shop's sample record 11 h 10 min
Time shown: 1 h 43 min
